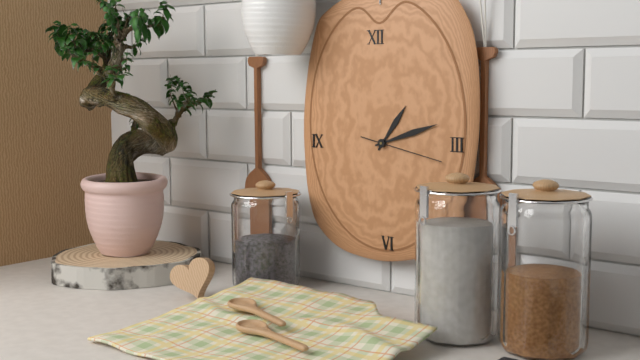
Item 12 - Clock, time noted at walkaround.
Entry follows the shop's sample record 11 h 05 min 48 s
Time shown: 1 h 12 min 17 s
